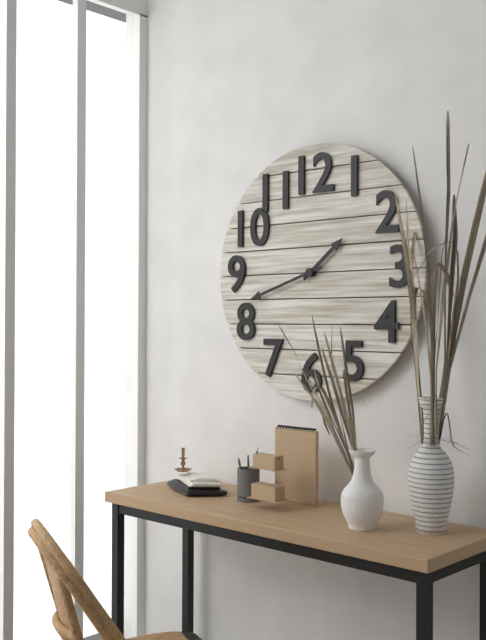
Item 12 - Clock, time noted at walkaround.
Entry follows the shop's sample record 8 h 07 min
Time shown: 1 h 42 min
